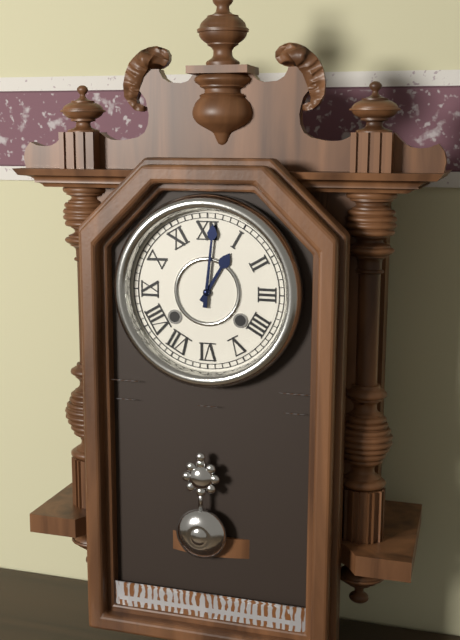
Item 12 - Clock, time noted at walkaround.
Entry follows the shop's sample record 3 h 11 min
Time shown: 1 h 01 min
